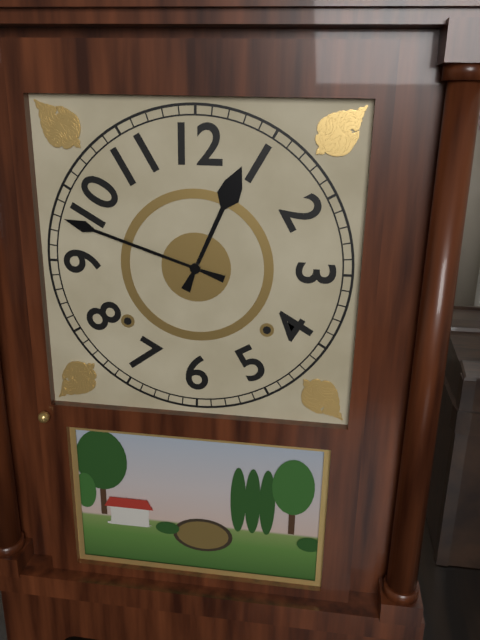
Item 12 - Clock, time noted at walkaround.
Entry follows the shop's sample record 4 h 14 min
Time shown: 12 h 48 min
